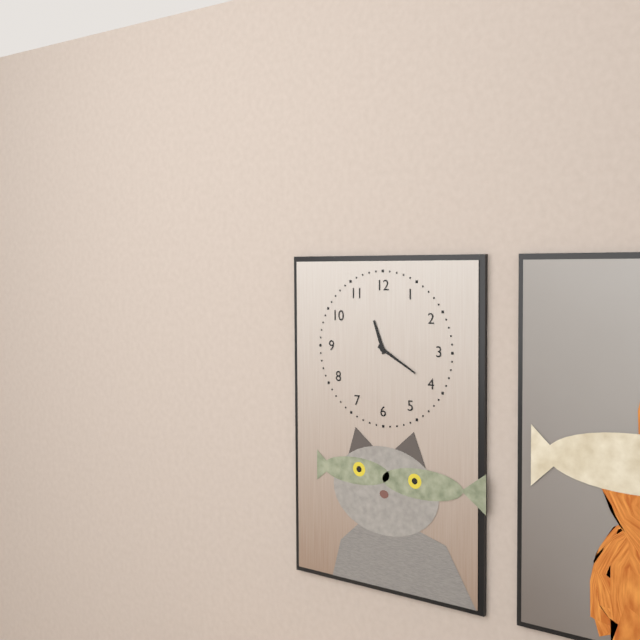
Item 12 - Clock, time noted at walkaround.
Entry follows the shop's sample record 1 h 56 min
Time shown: 11 h 20 min
